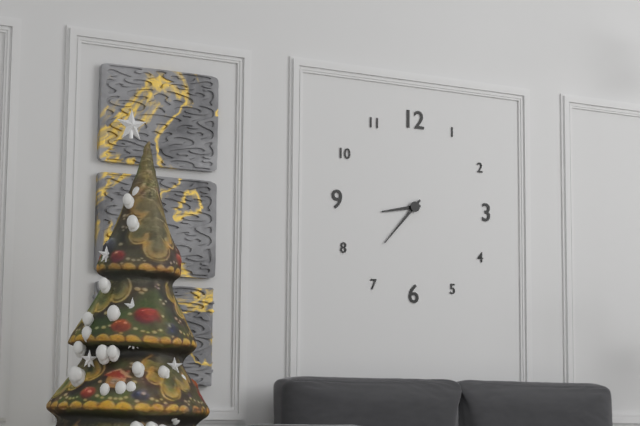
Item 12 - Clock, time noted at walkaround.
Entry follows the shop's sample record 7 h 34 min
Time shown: 8 h 37 min
